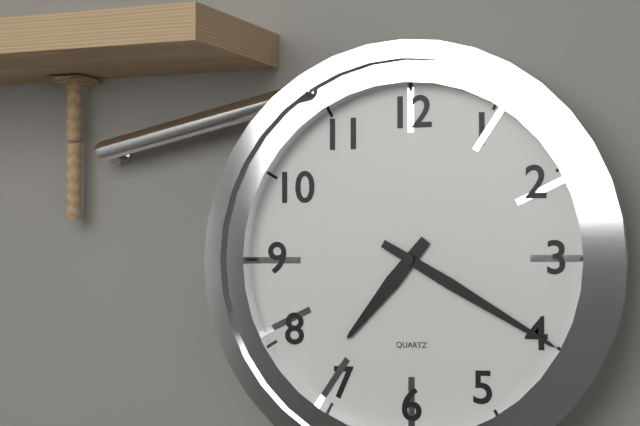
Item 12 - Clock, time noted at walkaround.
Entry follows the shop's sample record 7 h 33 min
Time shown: 7 h 20 min
